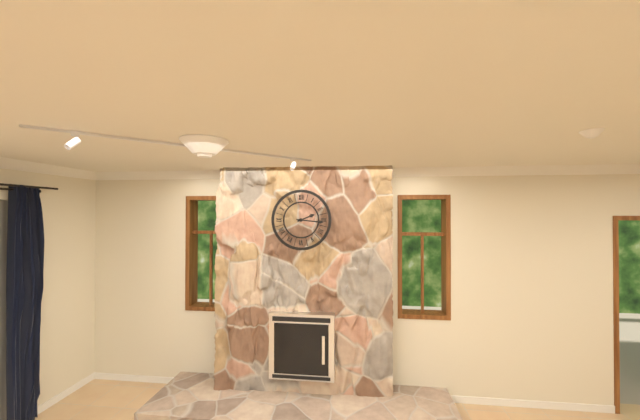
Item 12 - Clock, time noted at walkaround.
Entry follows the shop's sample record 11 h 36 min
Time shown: 2 h 16 min
